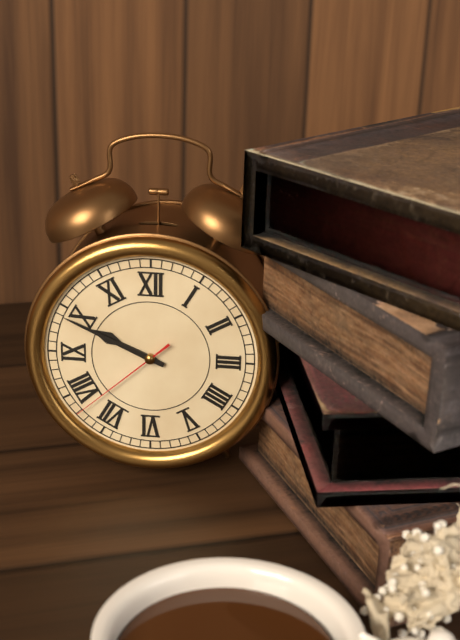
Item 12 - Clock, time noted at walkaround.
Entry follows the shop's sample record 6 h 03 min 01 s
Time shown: 9 h 49 min 38 s
